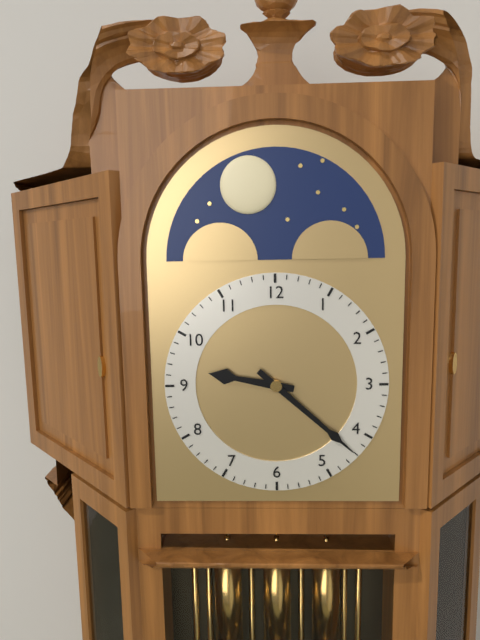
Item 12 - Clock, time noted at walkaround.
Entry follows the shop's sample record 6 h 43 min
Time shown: 9 h 22 min
